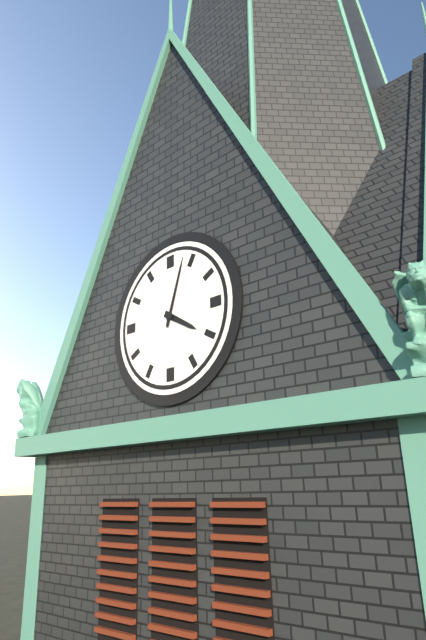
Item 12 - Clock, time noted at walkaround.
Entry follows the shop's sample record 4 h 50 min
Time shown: 4 h 03 min
